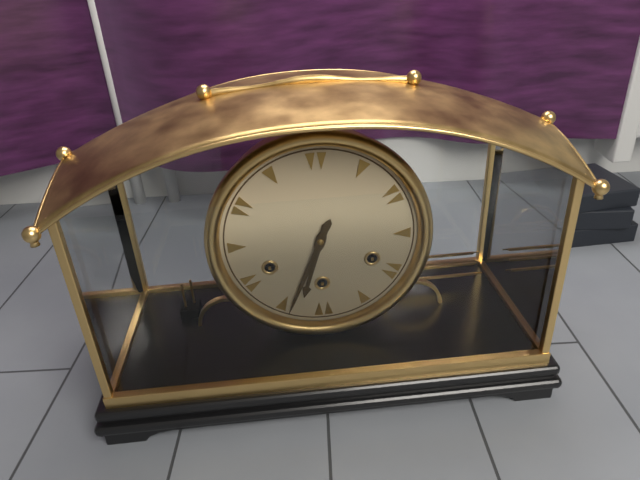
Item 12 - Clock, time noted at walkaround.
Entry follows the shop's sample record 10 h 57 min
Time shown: 6 h 34 min
